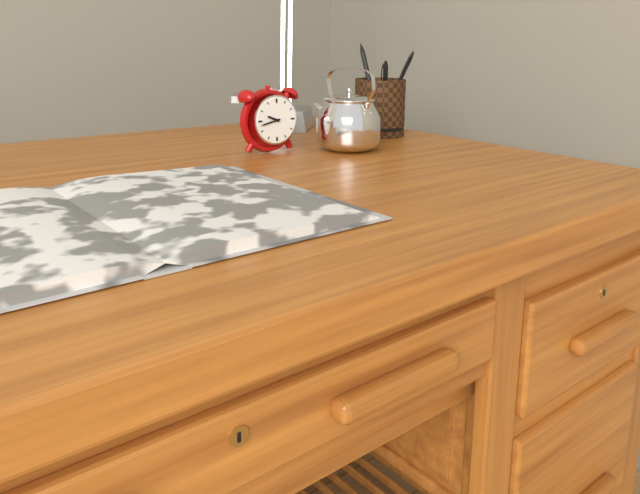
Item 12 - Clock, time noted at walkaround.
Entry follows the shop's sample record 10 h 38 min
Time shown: 9 h 43 min
